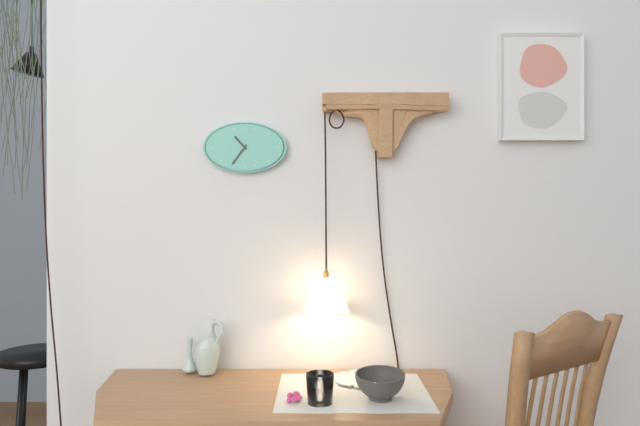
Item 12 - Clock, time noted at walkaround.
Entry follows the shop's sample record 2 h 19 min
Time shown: 10 h 36 min
